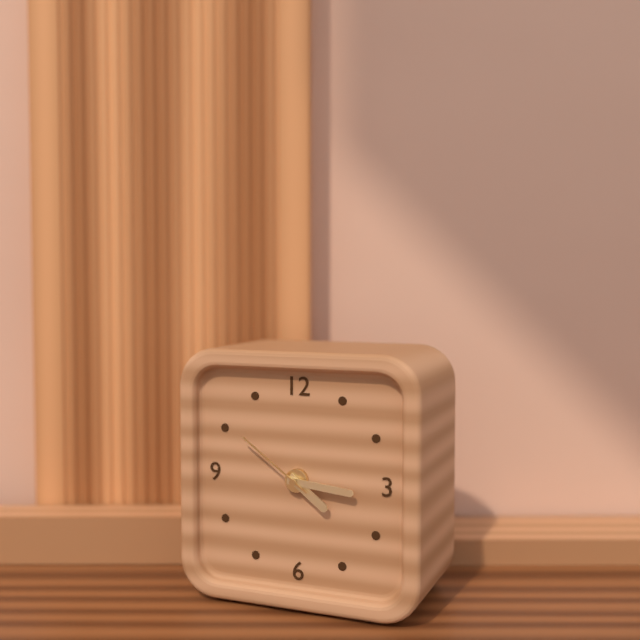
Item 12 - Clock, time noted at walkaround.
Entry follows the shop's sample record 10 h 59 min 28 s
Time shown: 4 h 16 min 51 s
